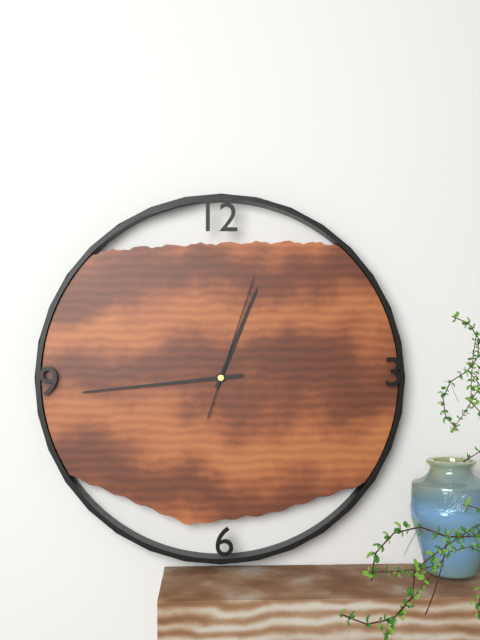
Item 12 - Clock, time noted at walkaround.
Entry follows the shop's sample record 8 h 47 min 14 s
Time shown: 12 h 44 min 03 s
